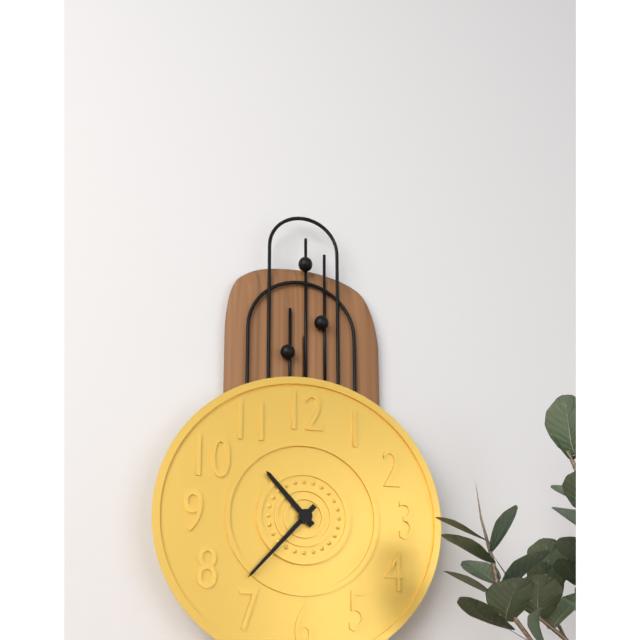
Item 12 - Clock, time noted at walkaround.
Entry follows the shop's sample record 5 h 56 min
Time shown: 10 h 37 min
